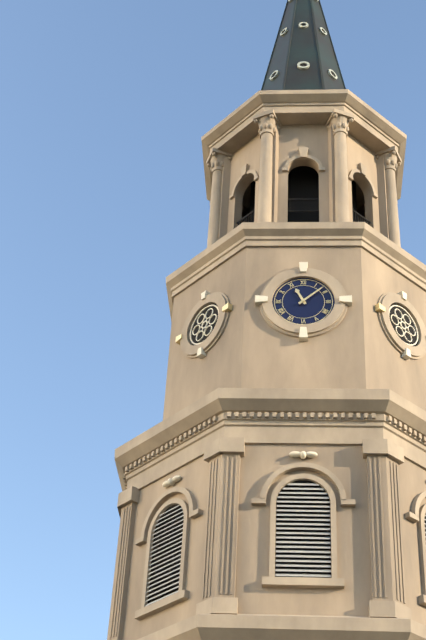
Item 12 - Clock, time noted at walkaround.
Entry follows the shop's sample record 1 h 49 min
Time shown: 11 h 08 min
